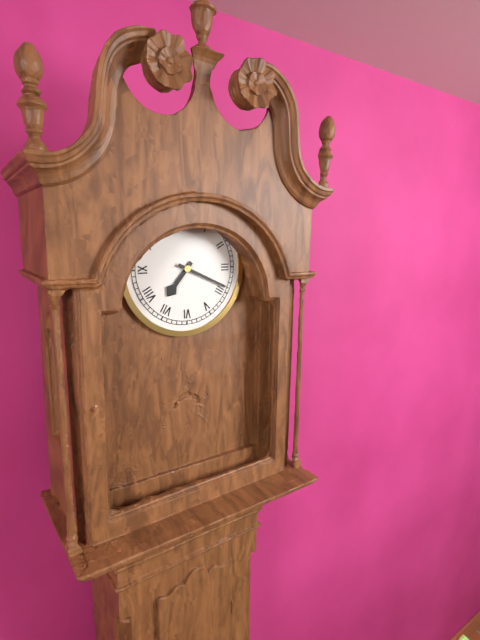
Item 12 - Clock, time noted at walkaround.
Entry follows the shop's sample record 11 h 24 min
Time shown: 7 h 19 min
